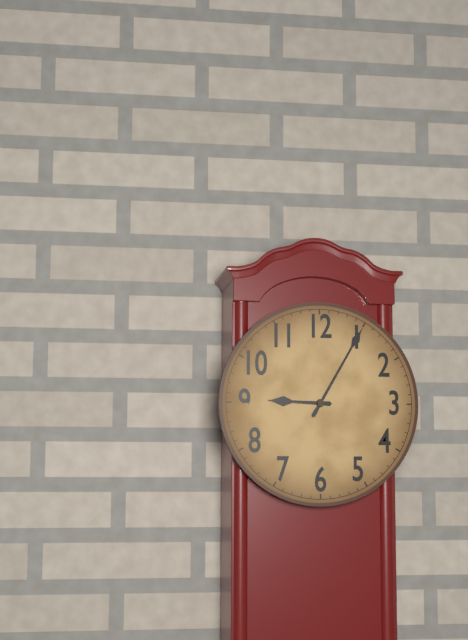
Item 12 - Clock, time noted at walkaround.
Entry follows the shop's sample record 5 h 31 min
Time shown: 9 h 05 min
